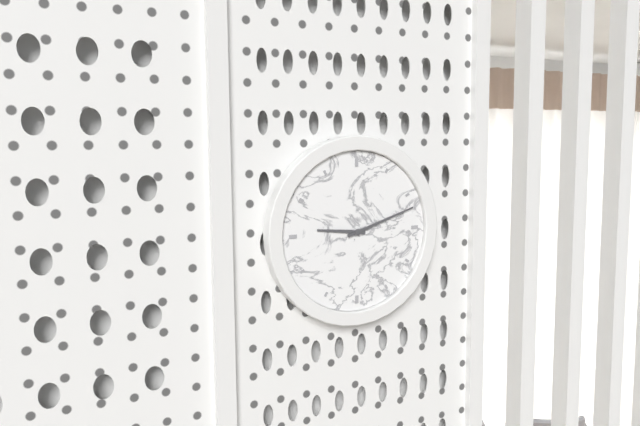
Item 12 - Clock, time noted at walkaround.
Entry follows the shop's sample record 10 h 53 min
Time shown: 9 h 12 min
